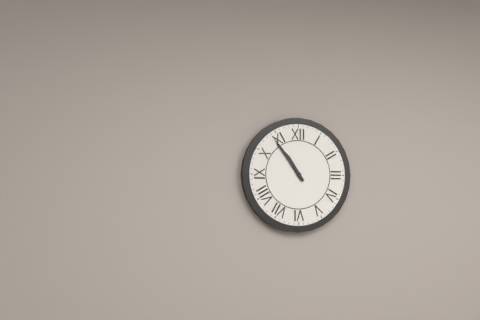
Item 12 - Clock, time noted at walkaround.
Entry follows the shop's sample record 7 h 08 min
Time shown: 10 h 54 min
